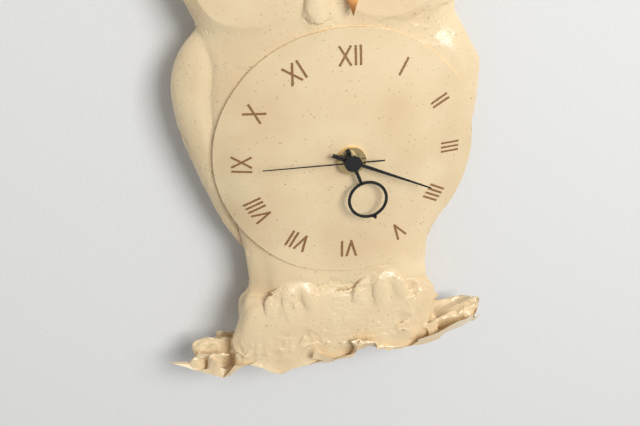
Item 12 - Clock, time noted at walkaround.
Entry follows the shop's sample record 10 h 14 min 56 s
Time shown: 5 h 19 min 45 s
